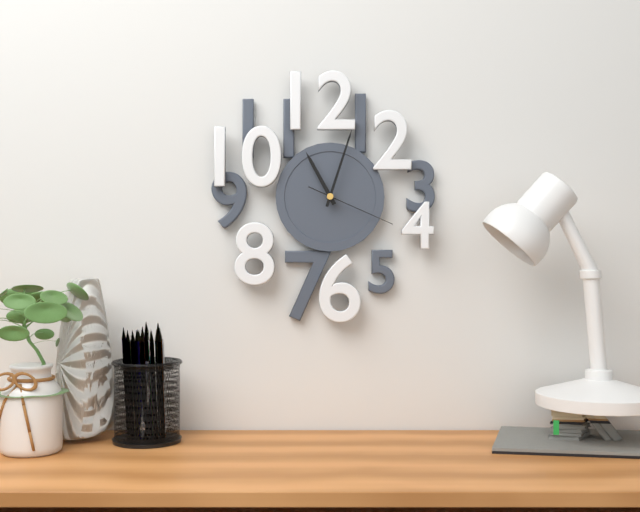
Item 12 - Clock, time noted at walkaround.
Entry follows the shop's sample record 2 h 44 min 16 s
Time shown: 11 h 03 min 19 s
